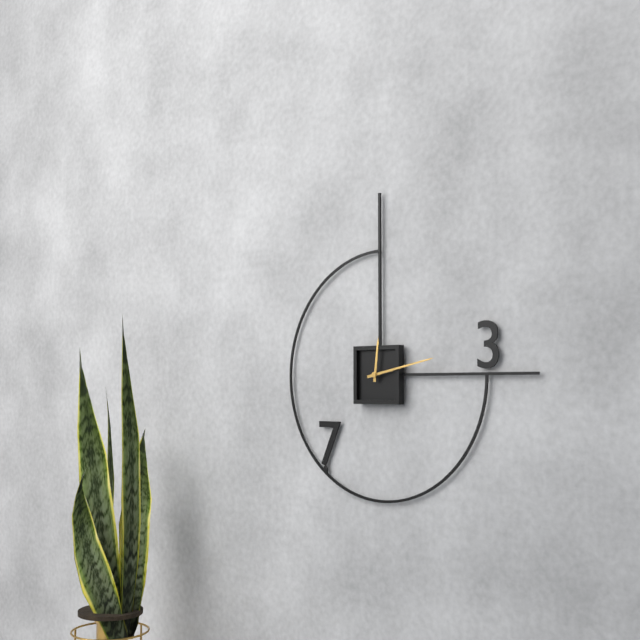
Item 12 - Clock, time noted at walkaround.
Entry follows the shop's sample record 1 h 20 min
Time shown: 12 h 13 min
